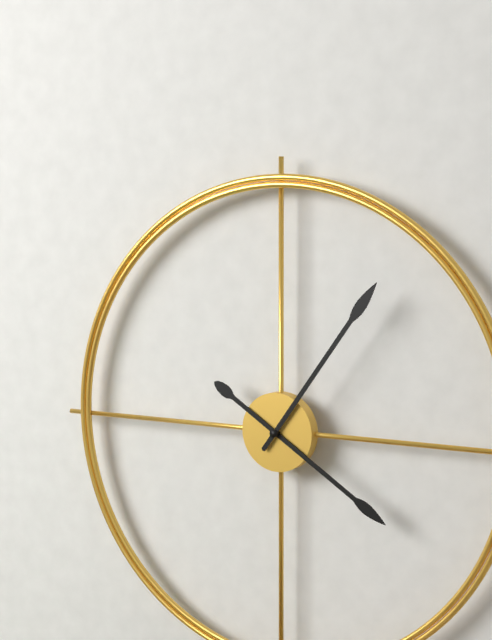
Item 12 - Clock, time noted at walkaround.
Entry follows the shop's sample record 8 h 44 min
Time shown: 4 h 06 min
